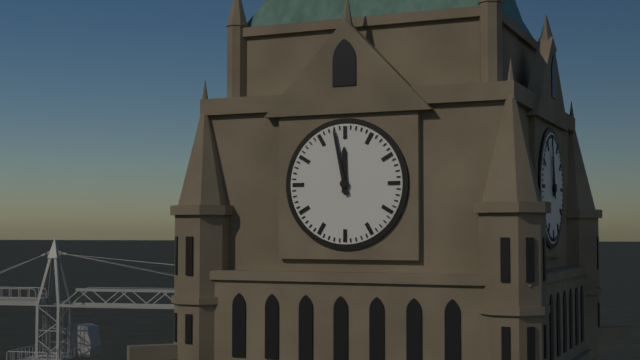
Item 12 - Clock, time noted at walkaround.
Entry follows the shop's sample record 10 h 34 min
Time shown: 11 h 58 min
